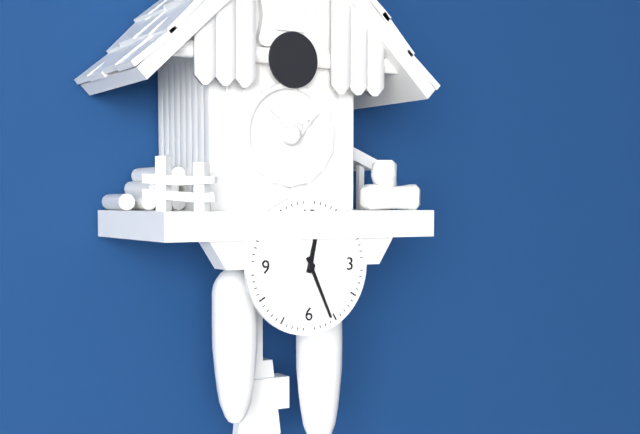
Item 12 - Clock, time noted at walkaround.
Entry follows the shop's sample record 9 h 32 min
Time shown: 12 h 26 min
